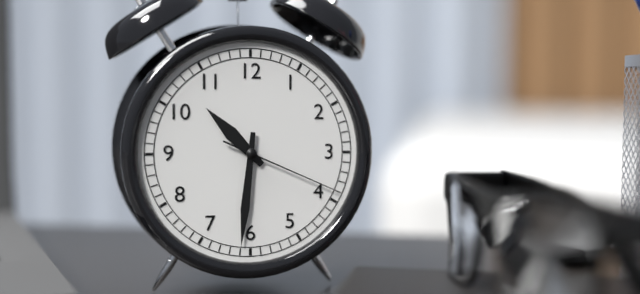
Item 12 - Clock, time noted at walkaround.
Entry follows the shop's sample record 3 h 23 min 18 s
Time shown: 10 h 31 min 19 s
